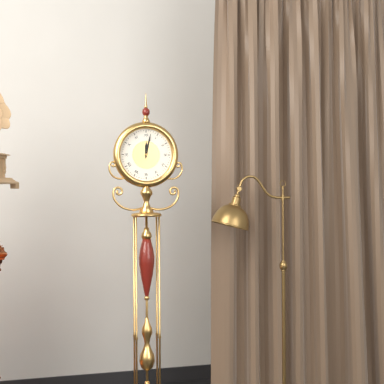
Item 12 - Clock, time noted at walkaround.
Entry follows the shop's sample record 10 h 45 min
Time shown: 12 h 02 min
